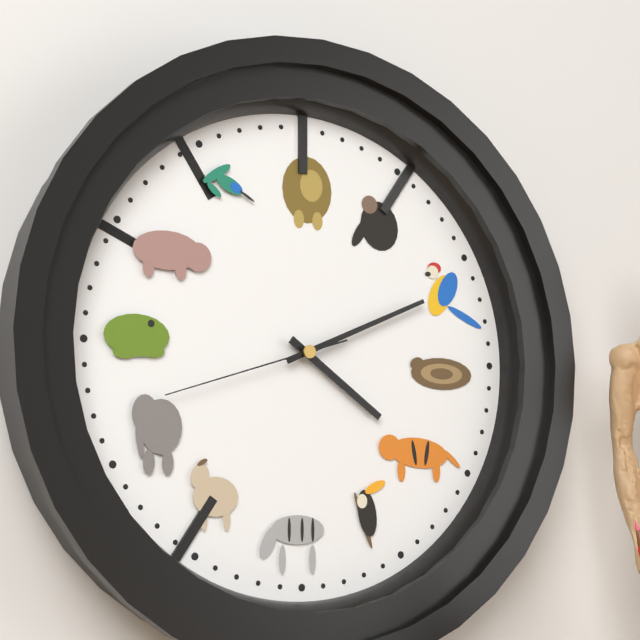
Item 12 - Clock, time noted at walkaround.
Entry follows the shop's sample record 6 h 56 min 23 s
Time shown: 4 h 11 min 42 s
